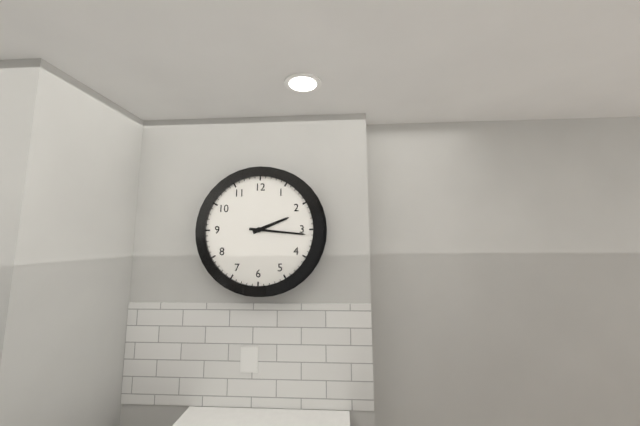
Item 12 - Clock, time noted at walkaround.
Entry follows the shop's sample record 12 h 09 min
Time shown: 2 h 16 min
